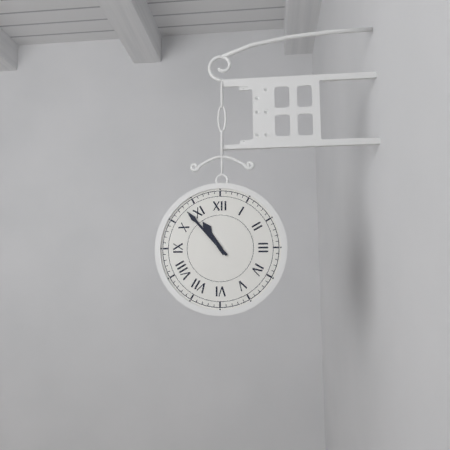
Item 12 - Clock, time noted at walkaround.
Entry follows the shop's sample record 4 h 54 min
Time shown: 10 h 53 min
